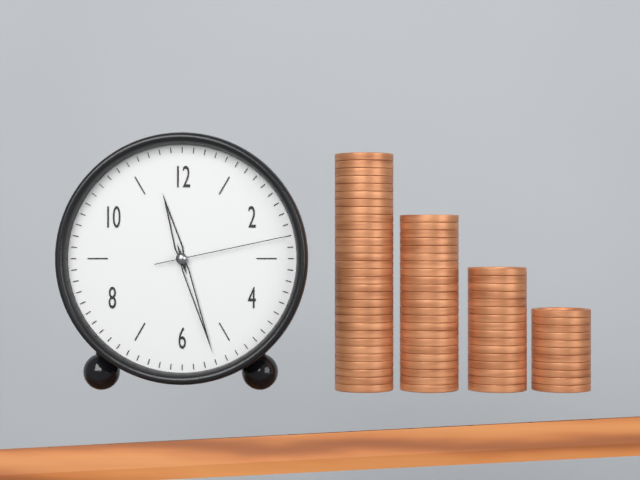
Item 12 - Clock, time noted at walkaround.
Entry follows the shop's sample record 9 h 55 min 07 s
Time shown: 11 h 27 min 13 s
